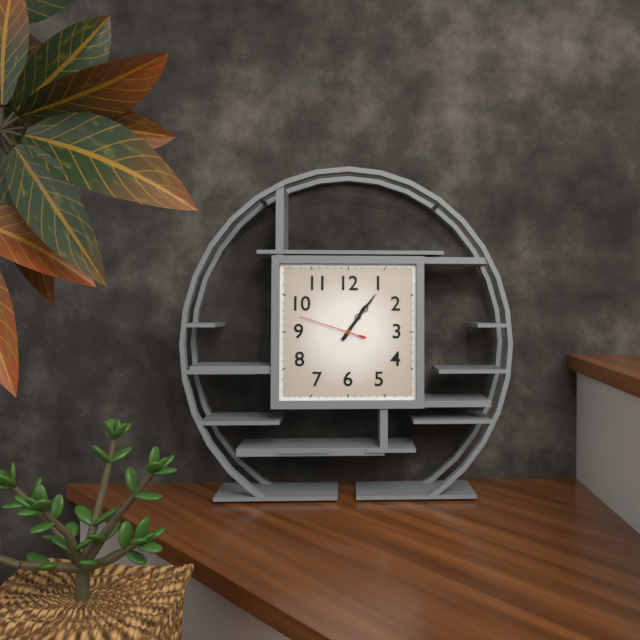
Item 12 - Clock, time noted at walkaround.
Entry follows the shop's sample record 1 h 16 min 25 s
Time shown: 1 h 06 min 48 s
